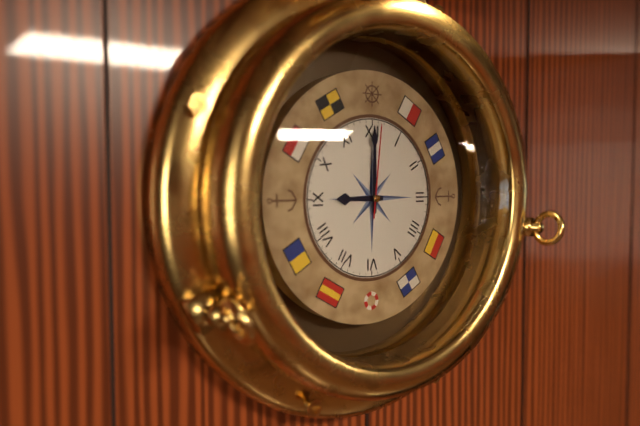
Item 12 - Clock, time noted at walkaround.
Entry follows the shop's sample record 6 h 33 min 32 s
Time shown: 9 h 00 min 01 s
